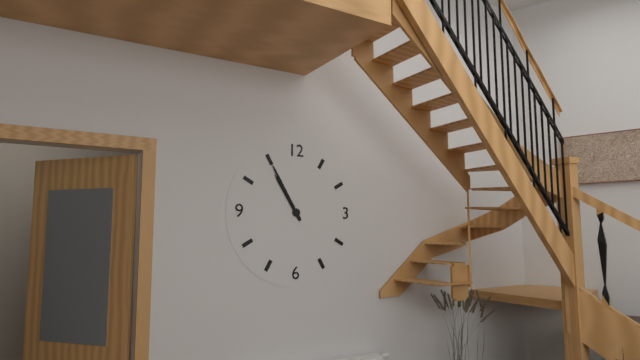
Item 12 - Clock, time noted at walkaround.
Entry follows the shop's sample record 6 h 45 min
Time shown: 10 h 55 min
